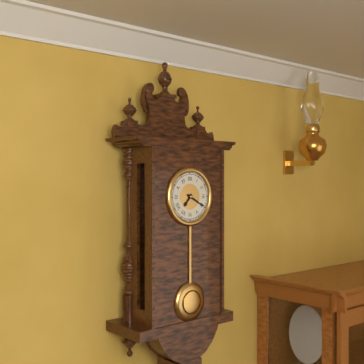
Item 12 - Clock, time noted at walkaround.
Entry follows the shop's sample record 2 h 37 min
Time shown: 7 h 20 min
